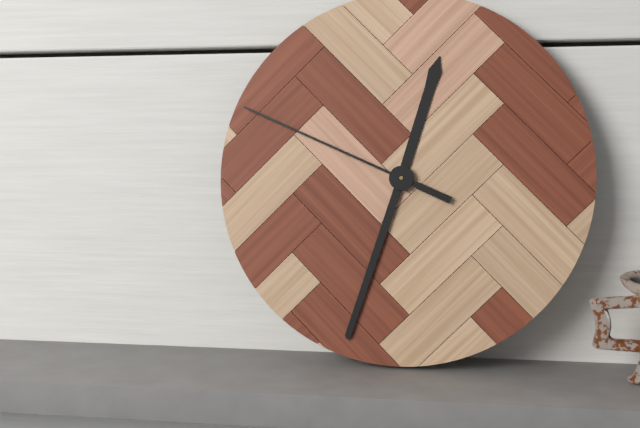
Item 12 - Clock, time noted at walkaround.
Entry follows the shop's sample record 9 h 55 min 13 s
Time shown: 12 h 33 min 49 s
